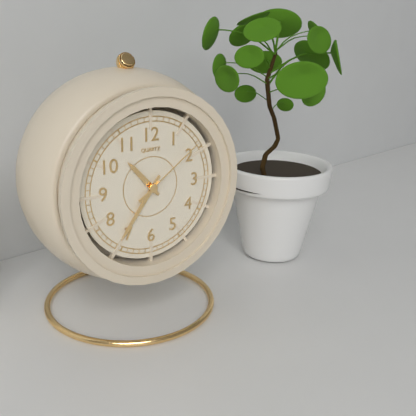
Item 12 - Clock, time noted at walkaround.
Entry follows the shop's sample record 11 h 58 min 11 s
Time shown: 10 h 36 min 09 s
